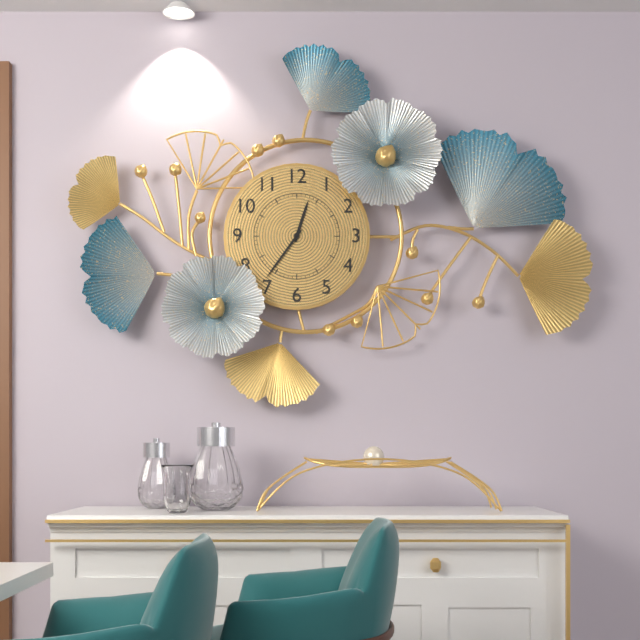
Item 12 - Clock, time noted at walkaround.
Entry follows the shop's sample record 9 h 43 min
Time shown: 12 h 36 min
